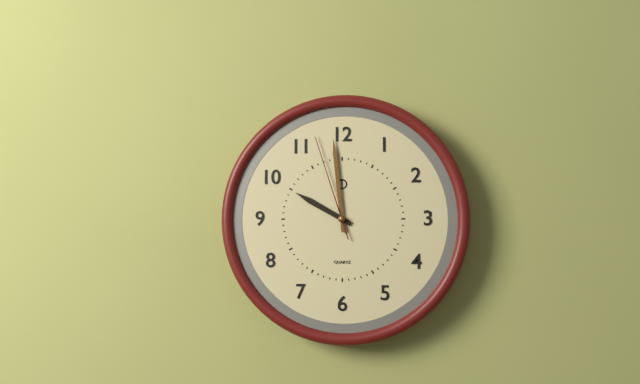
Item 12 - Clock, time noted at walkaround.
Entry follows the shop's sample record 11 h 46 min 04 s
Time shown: 9 h 59 min 57 s
